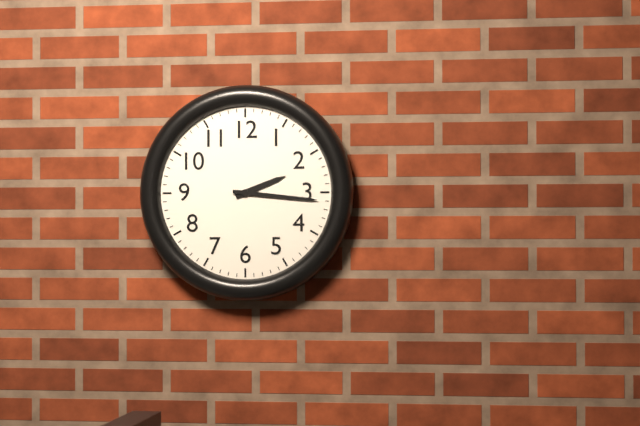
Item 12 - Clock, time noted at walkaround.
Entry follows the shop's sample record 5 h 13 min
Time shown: 2 h 16 min
